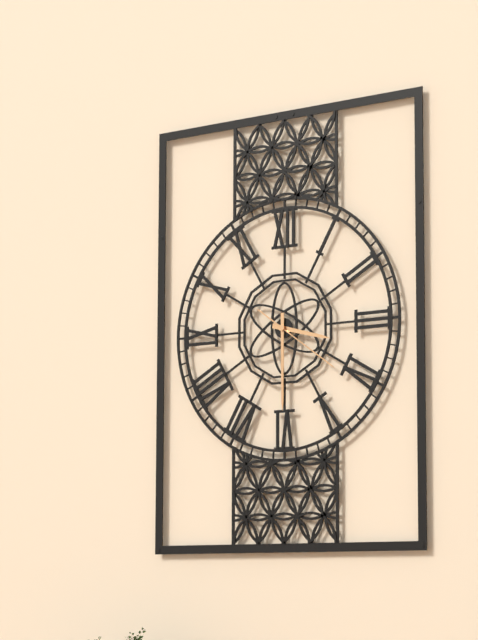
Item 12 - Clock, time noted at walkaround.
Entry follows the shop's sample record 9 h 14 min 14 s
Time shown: 3 h 30 min 21 s
